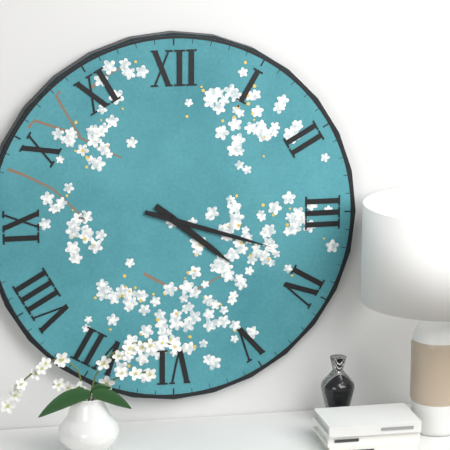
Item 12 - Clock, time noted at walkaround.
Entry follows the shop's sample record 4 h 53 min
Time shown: 4 h 18 min
